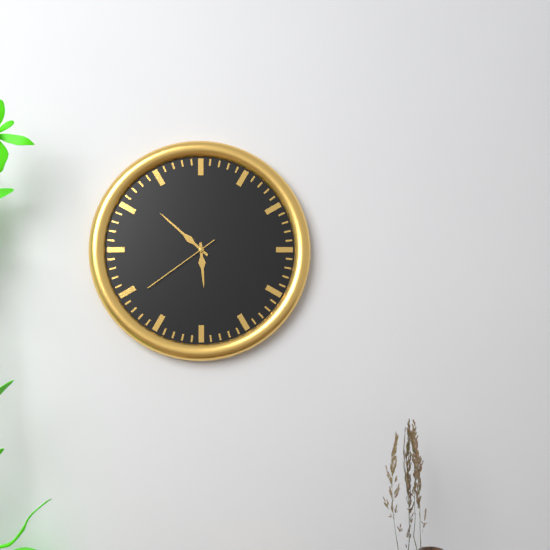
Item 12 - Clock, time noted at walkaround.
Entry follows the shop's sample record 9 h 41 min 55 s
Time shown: 5 h 52 min 39 s
